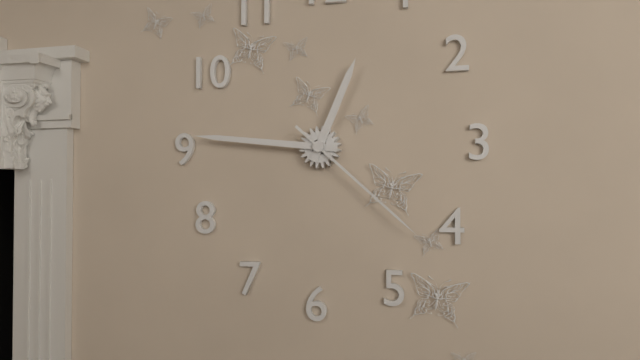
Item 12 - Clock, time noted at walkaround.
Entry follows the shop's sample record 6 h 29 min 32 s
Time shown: 12 h 46 min 22 s
